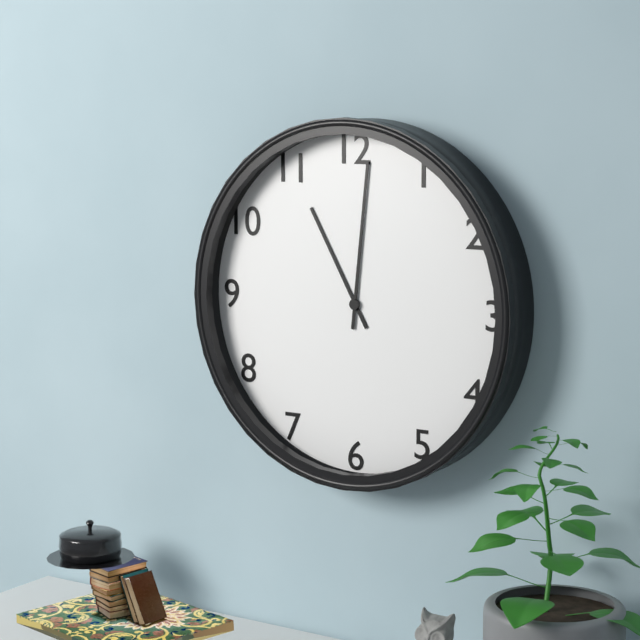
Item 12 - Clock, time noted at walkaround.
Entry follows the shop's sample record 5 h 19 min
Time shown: 11 h 01 min
